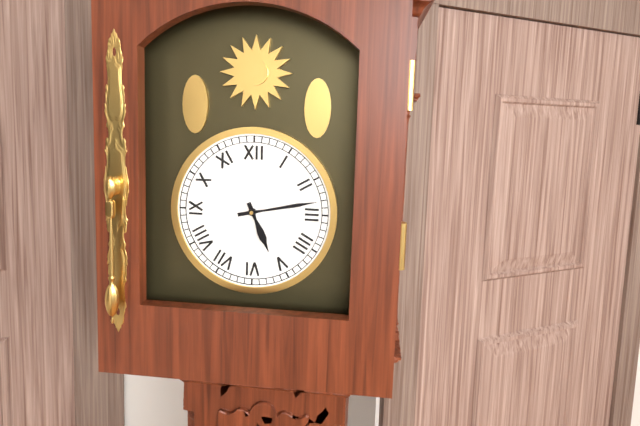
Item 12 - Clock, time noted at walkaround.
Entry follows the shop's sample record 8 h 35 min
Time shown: 5 h 13 min
